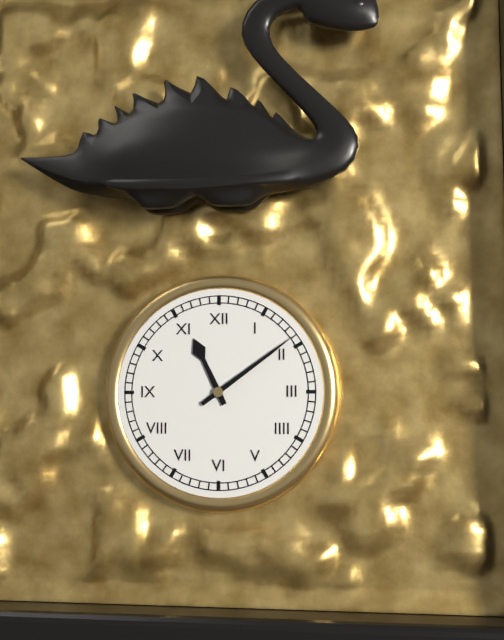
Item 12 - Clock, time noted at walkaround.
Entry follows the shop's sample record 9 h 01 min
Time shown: 11 h 09 min
